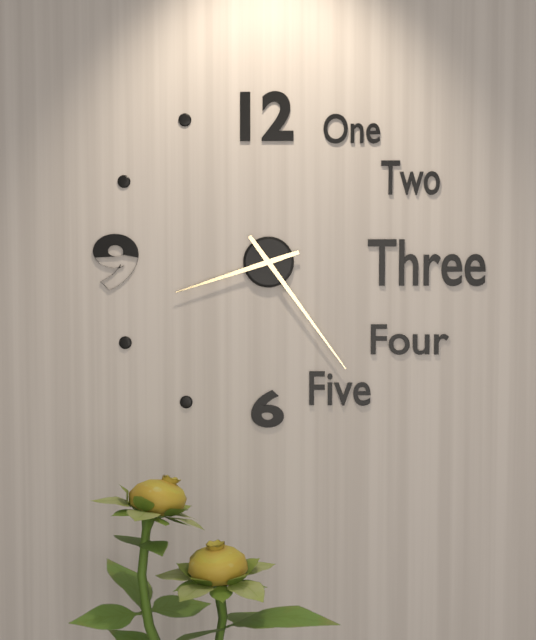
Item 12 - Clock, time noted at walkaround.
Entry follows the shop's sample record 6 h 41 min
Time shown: 8 h 24 min
